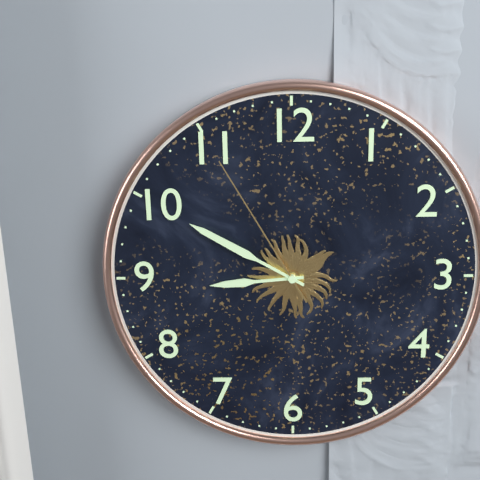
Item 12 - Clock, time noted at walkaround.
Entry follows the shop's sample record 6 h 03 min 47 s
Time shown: 8 h 50 min 55 s
